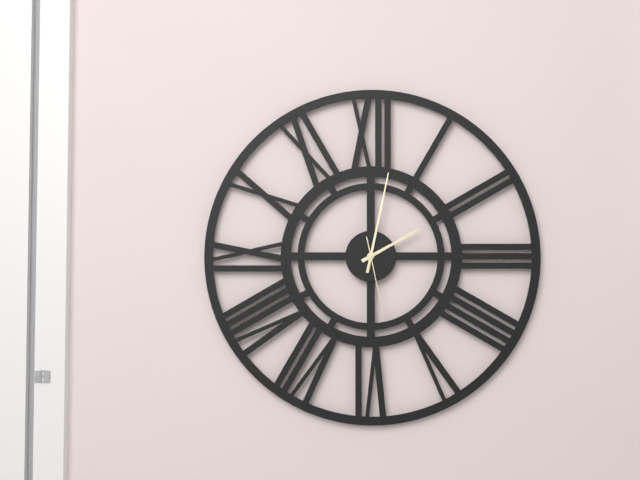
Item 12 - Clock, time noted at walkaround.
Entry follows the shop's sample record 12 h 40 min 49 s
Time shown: 2 h 02 min 28 s
